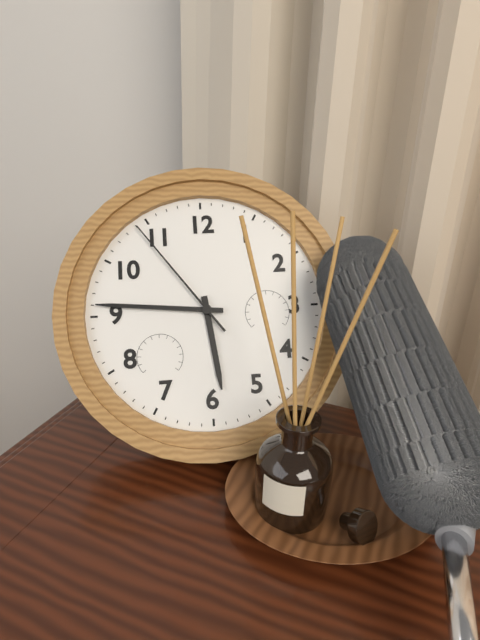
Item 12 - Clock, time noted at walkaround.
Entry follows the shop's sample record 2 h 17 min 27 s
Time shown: 5 h 46 min 54 s
